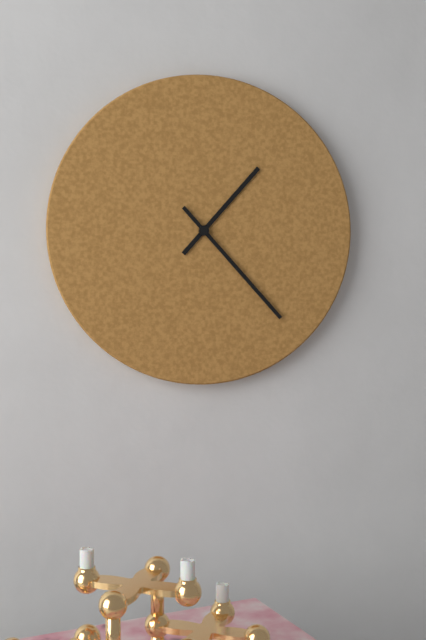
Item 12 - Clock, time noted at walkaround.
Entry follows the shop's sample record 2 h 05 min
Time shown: 1 h 23 min
